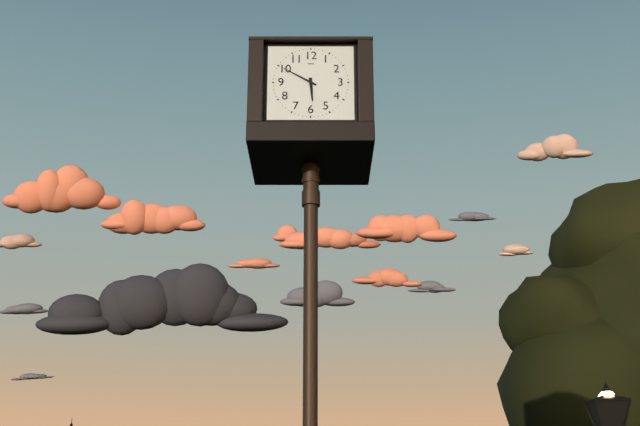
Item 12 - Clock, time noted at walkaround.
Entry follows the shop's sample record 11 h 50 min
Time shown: 5 h 50 min
